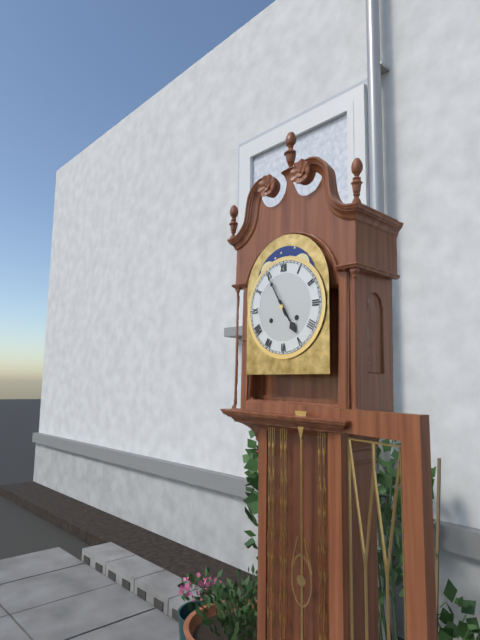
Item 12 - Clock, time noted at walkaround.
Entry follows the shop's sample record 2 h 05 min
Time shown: 4 h 55 min
